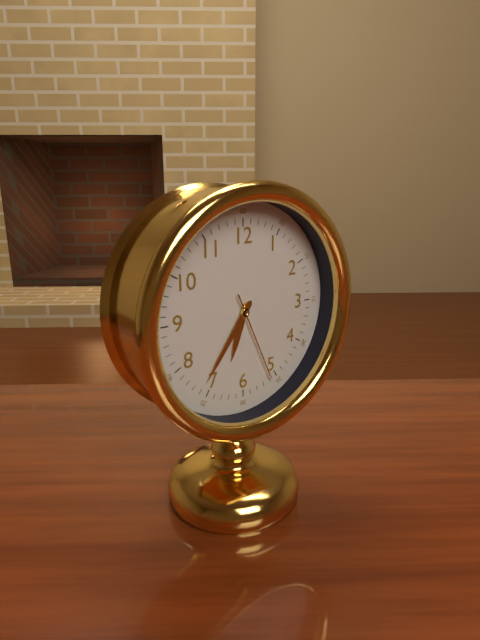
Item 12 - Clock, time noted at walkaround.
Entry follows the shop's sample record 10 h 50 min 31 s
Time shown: 6 h 36 min 26 s
